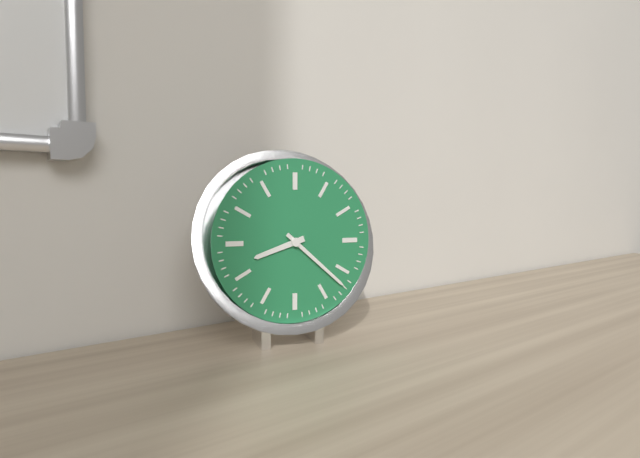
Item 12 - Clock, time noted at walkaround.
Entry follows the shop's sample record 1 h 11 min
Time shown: 8 h 22 min
